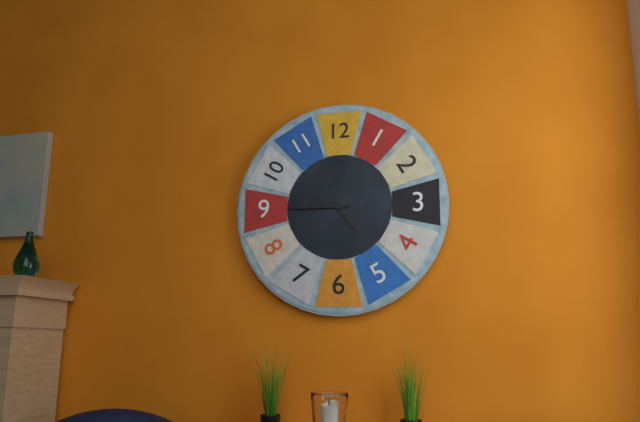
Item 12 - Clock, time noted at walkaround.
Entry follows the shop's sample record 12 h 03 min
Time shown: 4 h 45 min
